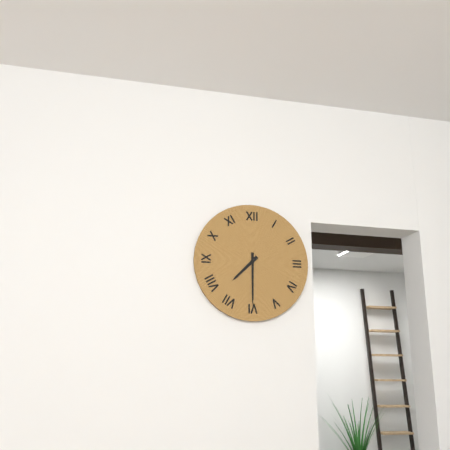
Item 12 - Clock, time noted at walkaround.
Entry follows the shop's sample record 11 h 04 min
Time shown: 7 h 30 min
